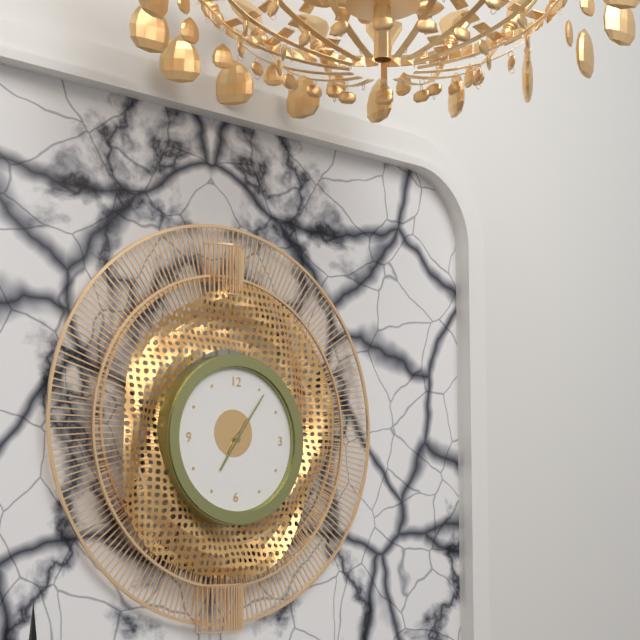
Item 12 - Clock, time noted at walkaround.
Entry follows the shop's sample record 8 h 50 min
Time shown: 7 h 06 min
